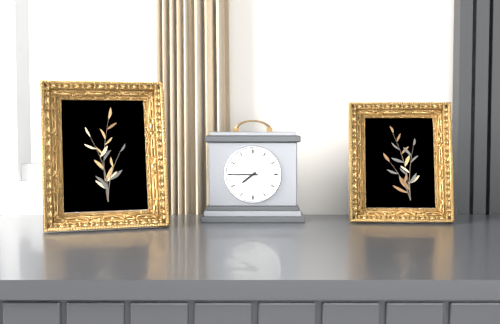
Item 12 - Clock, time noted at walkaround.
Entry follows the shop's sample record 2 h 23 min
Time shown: 7 h 45 min
